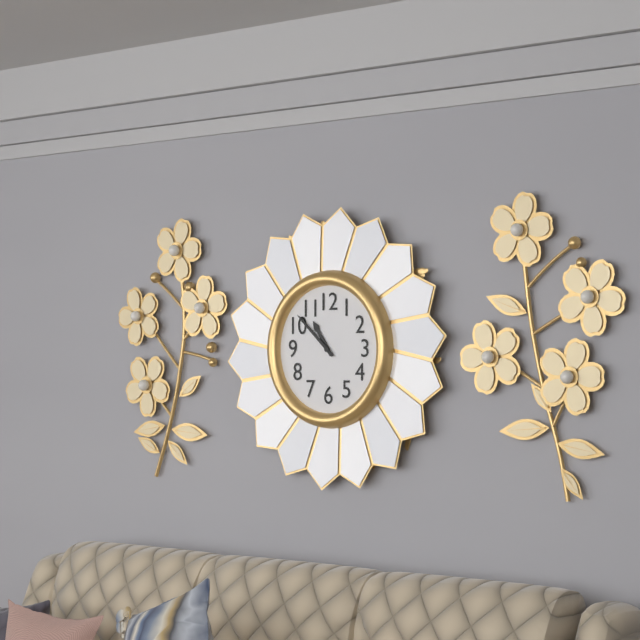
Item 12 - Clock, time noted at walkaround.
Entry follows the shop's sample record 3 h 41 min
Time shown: 10 h 52 min
